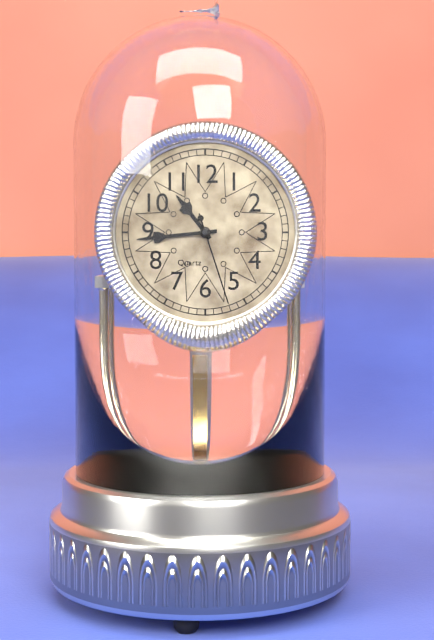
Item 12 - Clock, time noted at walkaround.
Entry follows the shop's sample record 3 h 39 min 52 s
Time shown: 10 h 44 min 27 s
